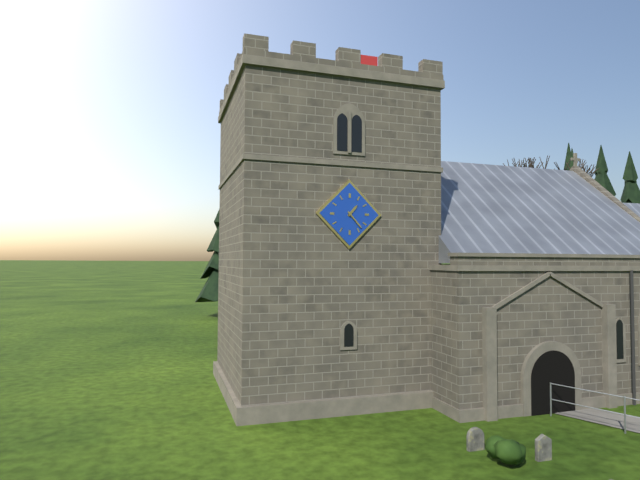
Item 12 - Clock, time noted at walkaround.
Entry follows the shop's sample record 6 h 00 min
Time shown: 1 h 23 min
